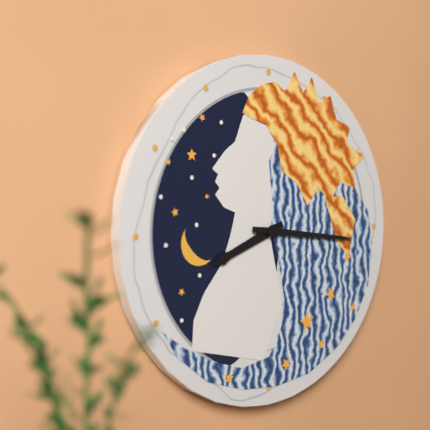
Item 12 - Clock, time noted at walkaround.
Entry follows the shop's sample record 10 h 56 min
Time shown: 8 h 16 min
